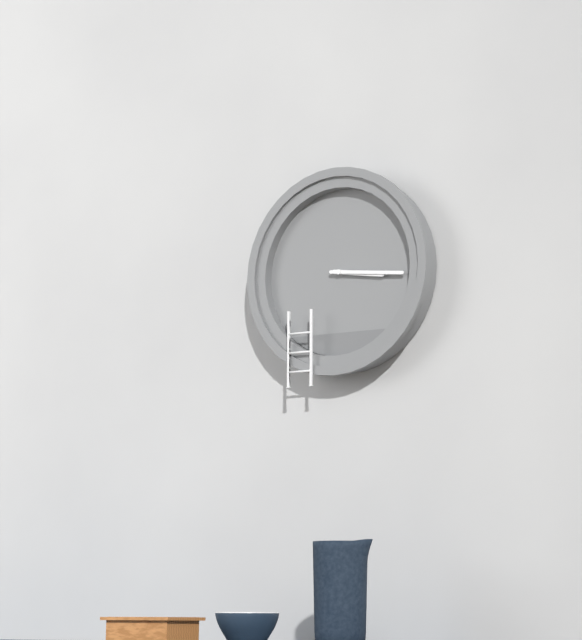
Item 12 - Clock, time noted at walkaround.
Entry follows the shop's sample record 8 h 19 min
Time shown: 3 h 16 min
